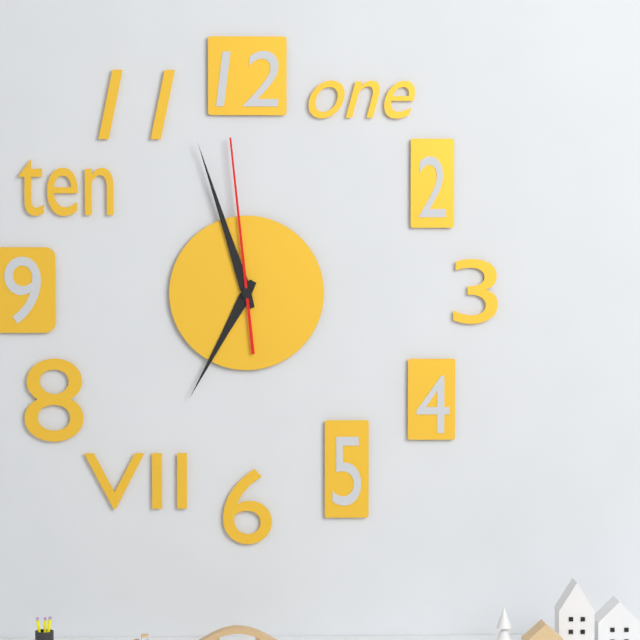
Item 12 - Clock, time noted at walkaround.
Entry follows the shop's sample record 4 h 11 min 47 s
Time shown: 6 h 57 min 59 s
